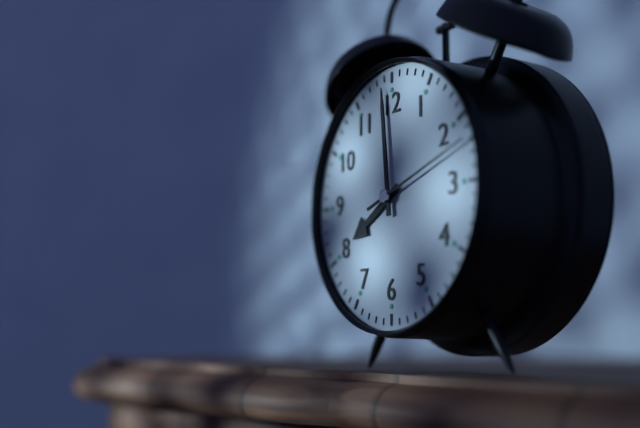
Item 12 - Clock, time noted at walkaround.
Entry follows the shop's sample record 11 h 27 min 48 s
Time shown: 7 h 59 min 12 s
